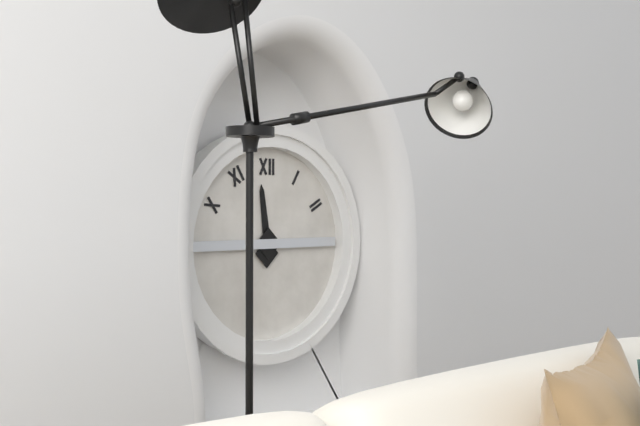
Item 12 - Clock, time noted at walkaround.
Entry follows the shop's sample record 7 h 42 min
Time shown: 11 h 45 min
